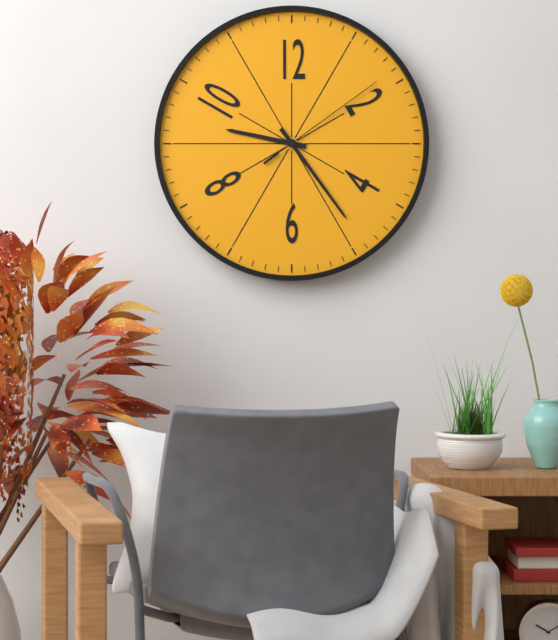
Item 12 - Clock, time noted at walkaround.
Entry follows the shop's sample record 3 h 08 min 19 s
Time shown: 9 h 24 min 09 s
